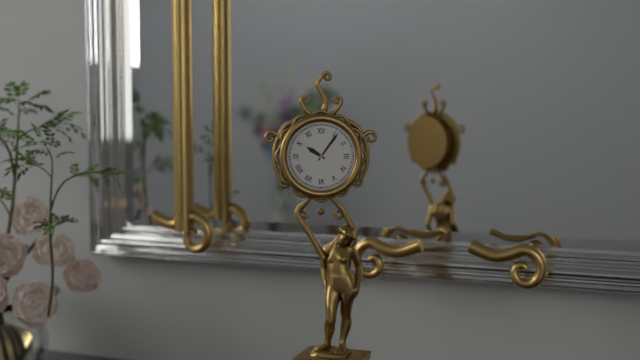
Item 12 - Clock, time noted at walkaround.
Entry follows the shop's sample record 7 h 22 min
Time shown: 10 h 06 min
